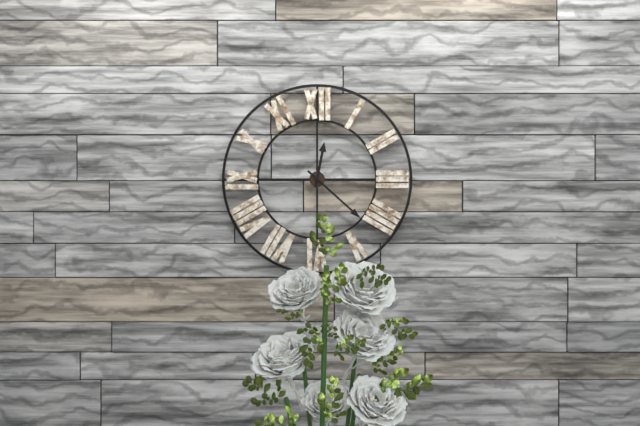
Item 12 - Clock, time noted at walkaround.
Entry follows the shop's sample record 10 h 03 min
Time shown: 12 h 22 min
